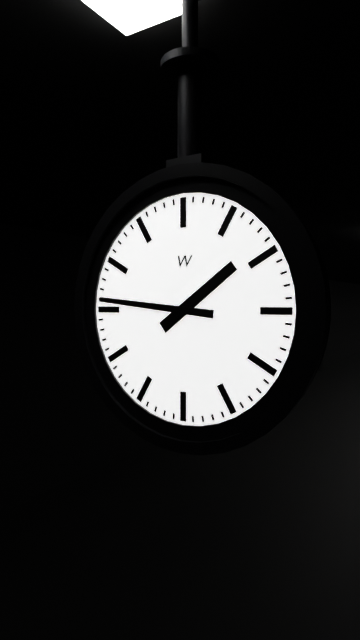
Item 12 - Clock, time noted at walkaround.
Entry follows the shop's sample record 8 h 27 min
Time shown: 1 h 46 min
